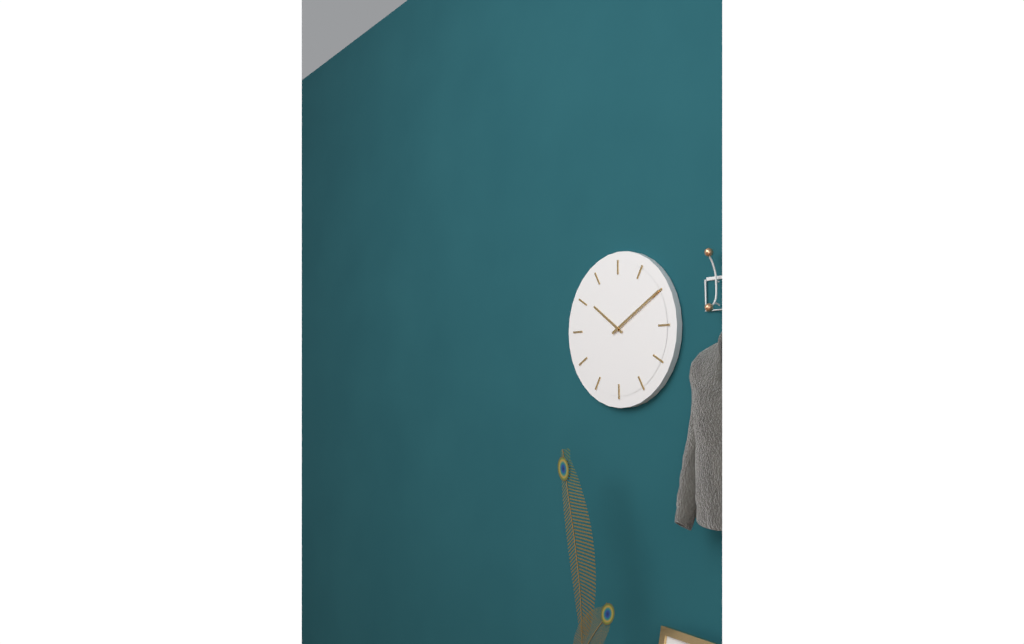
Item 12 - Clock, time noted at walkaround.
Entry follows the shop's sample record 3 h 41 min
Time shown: 10 h 10 min
